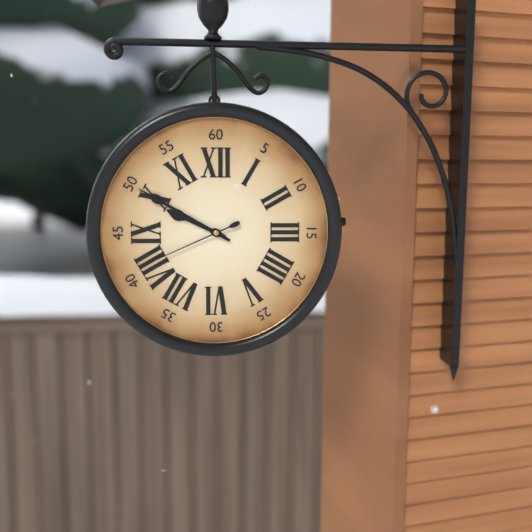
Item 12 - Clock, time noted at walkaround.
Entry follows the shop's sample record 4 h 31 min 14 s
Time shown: 9 h 50 min 41 s
